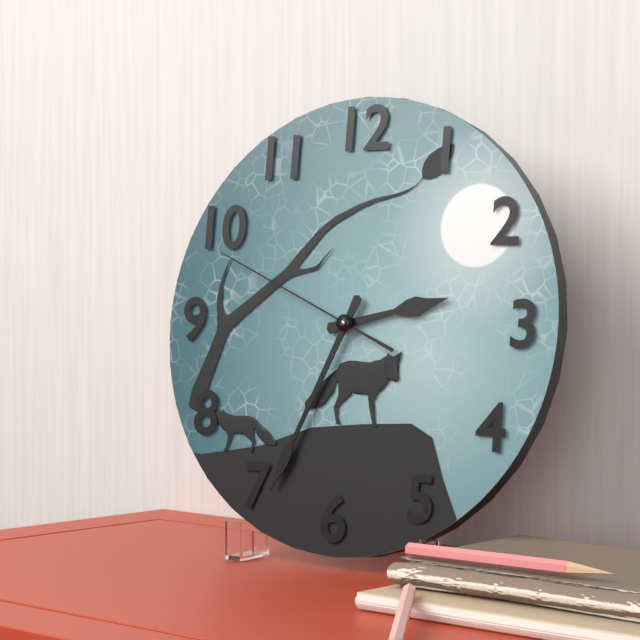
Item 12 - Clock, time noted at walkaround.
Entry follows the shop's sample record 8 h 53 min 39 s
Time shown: 2 h 34 min 49 s
